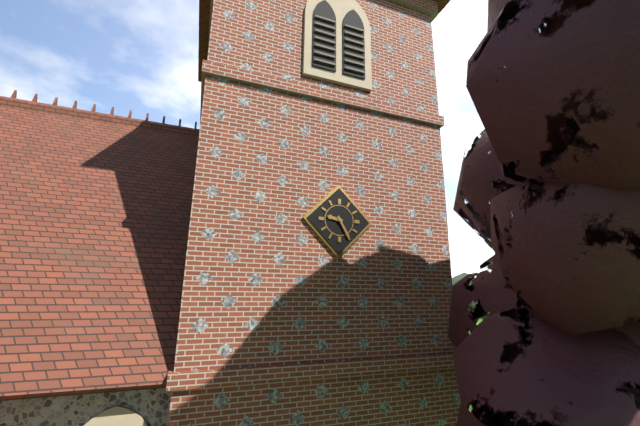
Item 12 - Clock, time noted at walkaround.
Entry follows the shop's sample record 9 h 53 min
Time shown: 9 h 25 min
